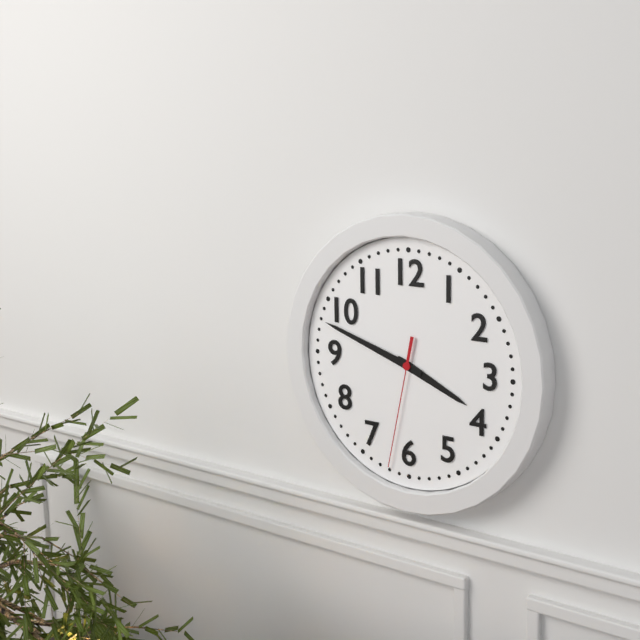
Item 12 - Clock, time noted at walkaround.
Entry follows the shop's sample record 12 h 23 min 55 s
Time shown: 3 h 48 min 32 s
